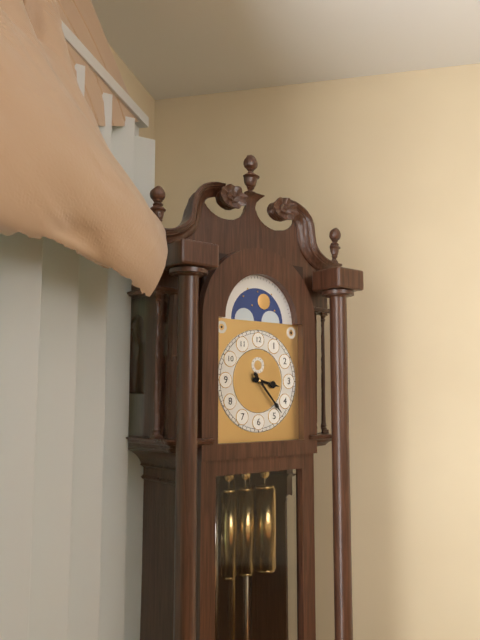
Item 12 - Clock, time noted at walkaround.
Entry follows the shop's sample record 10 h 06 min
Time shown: 3 h 23 min
